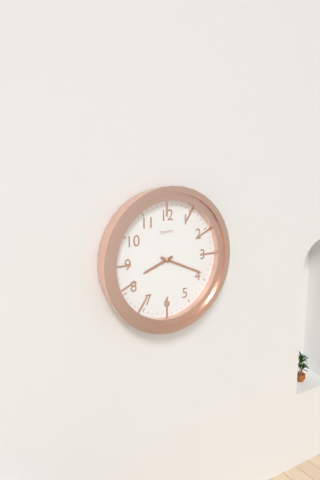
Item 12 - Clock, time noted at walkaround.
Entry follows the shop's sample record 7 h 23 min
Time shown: 8 h 19 min
